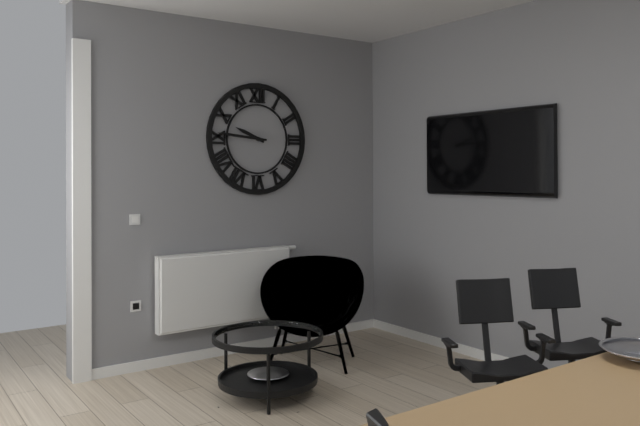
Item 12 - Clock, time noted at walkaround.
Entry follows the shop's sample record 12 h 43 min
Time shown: 9 h 46 min
